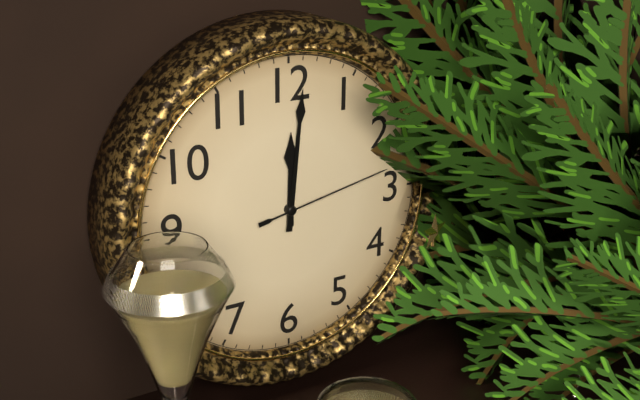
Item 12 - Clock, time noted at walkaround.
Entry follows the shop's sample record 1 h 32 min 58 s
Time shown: 12 h 01 min 13 s
